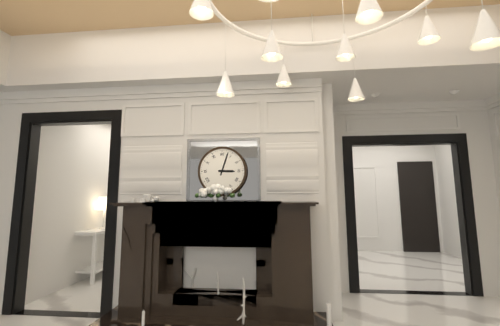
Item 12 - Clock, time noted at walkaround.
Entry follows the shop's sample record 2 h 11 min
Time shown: 3 h 03 min
